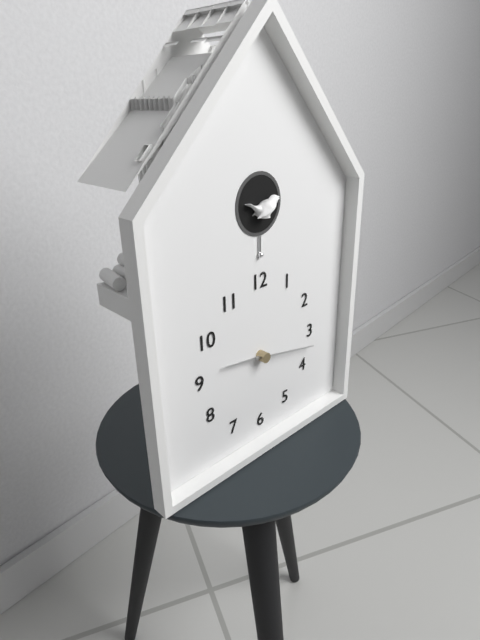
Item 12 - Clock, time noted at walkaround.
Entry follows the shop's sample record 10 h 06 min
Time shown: 9 h 17 min
